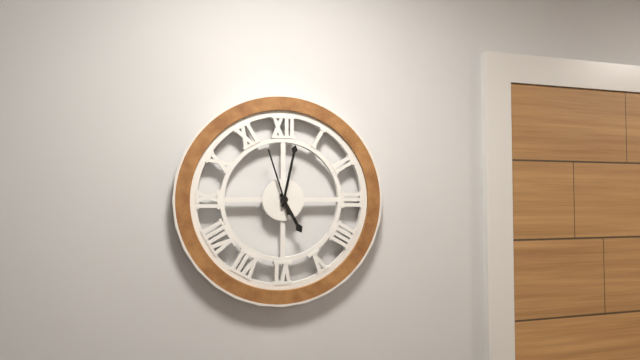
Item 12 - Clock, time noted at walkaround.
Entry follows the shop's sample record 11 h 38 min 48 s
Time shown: 5 h 02 min 57 s
